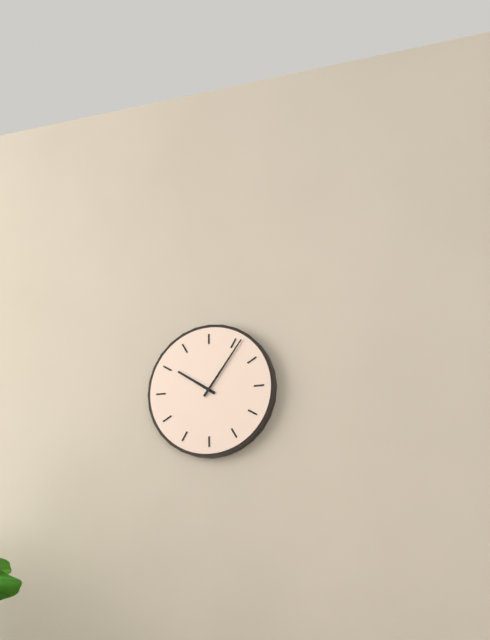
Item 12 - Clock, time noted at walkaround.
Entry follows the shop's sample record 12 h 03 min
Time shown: 10 h 06 min
